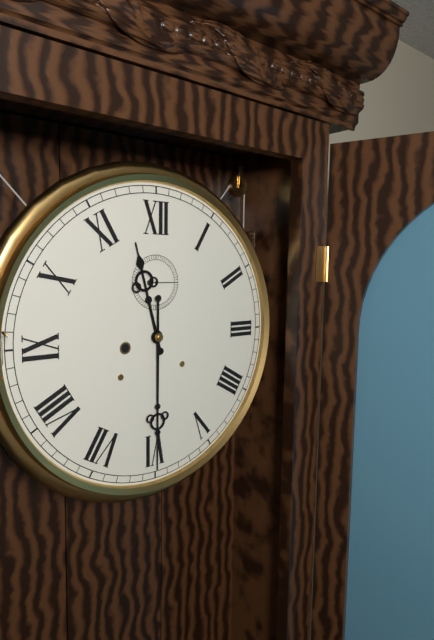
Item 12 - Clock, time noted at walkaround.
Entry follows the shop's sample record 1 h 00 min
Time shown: 11 h 30 min
